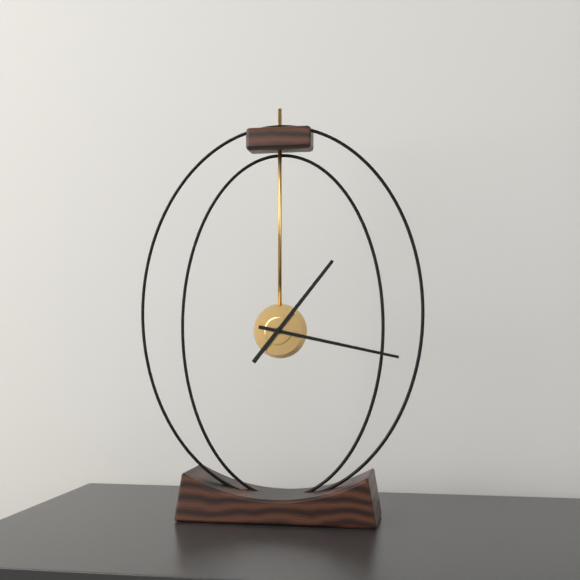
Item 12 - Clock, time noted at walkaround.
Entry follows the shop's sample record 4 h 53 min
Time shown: 1 h 17 min
